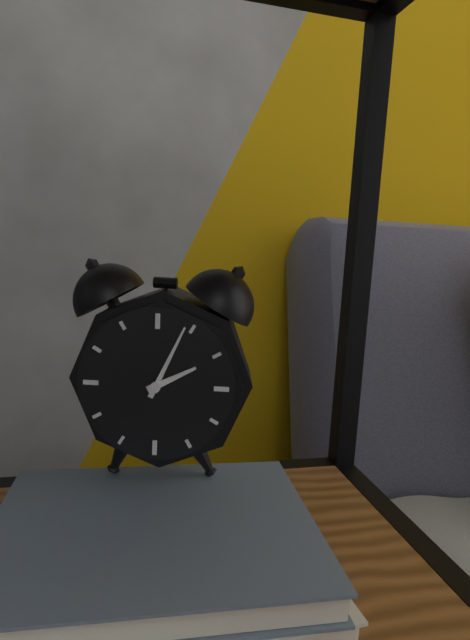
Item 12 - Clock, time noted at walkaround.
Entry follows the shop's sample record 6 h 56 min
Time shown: 2 h 04 min
